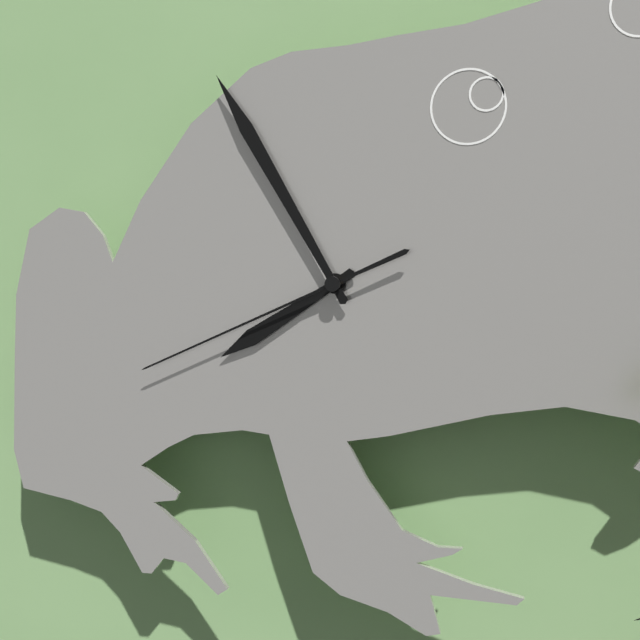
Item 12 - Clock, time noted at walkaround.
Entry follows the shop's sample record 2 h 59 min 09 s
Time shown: 7 h 55 min 41 s
